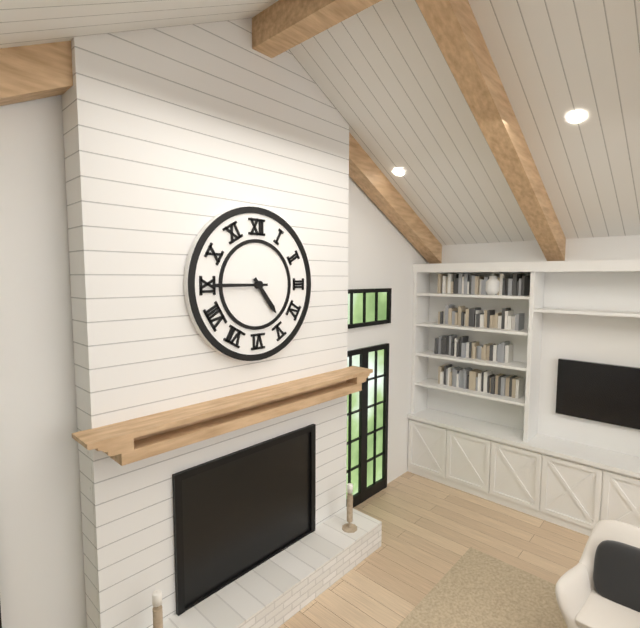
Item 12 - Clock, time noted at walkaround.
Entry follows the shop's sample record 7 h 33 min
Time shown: 4 h 45 min
